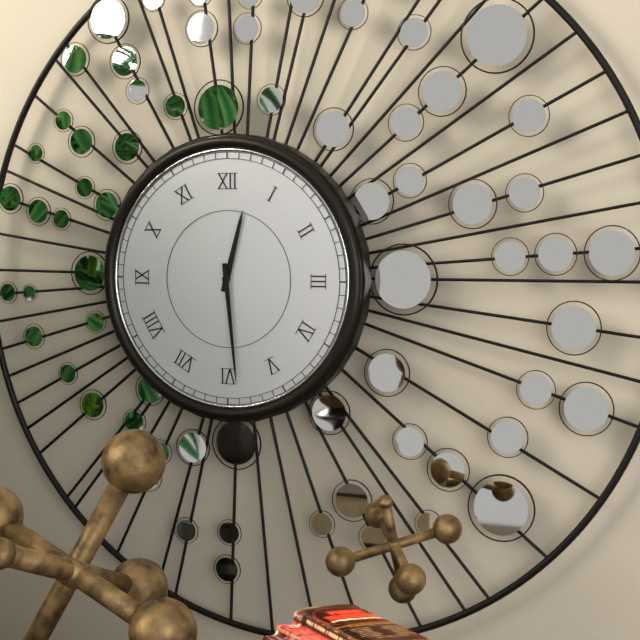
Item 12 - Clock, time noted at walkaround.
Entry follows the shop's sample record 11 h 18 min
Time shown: 12 h 29 min
